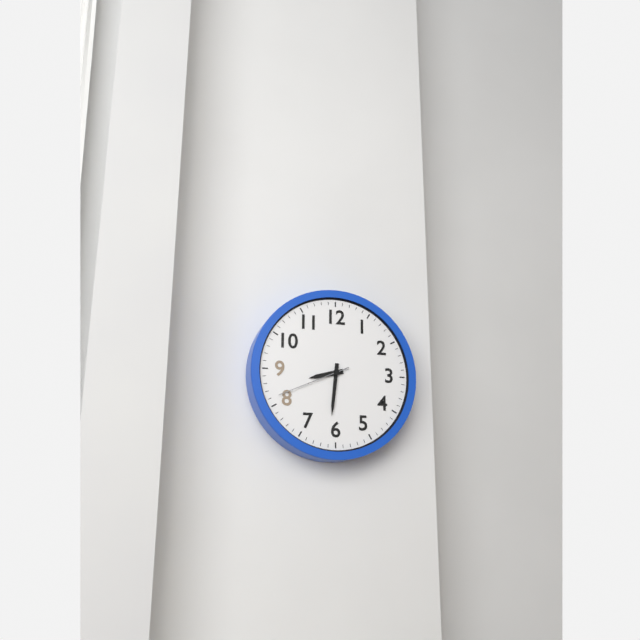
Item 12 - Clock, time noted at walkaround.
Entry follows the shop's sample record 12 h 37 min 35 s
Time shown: 8 h 31 min 41 s
